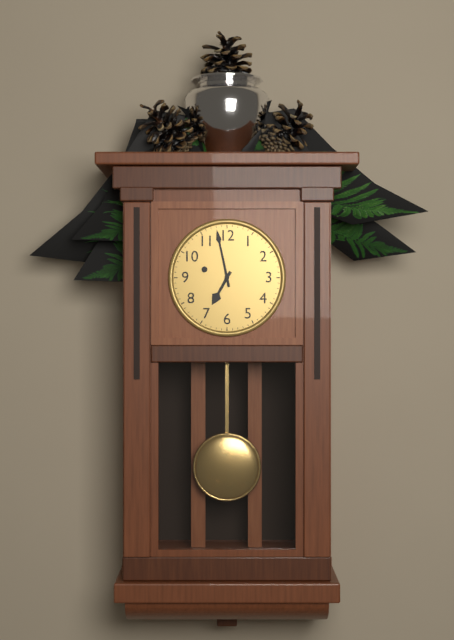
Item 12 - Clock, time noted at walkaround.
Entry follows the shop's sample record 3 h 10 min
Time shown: 6 h 58 min
